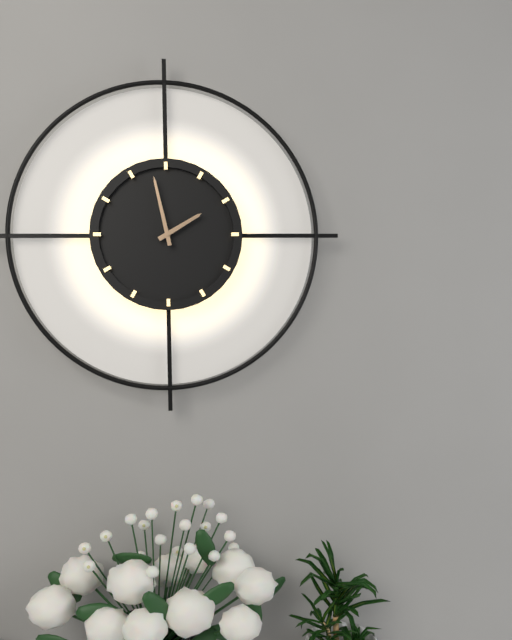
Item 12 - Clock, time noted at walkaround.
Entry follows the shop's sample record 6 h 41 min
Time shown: 1 h 58 min
